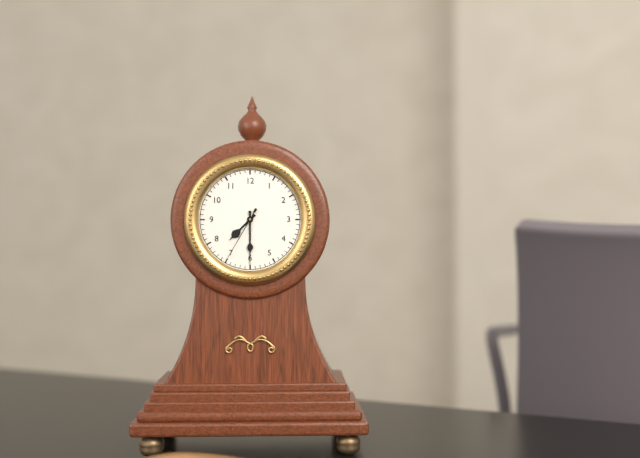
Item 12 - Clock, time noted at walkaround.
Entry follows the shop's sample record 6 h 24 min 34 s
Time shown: 7 h 30 min 35 s
